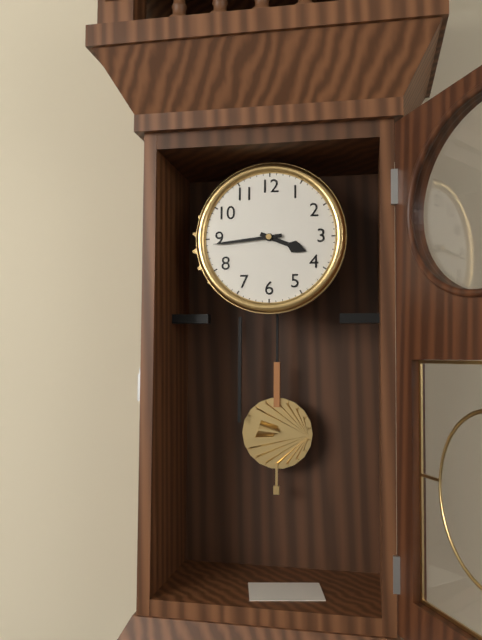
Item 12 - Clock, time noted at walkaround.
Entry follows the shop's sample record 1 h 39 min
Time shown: 3 h 44 min
